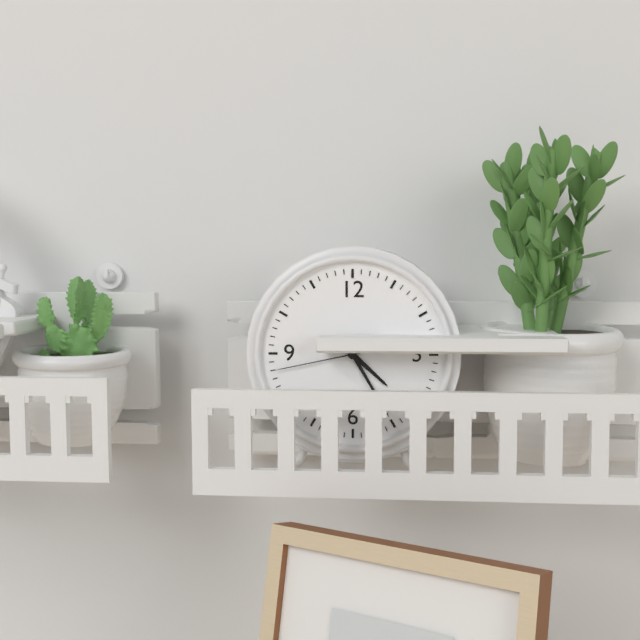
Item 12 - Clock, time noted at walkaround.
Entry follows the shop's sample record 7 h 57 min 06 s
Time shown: 4 h 25 min 43 s
